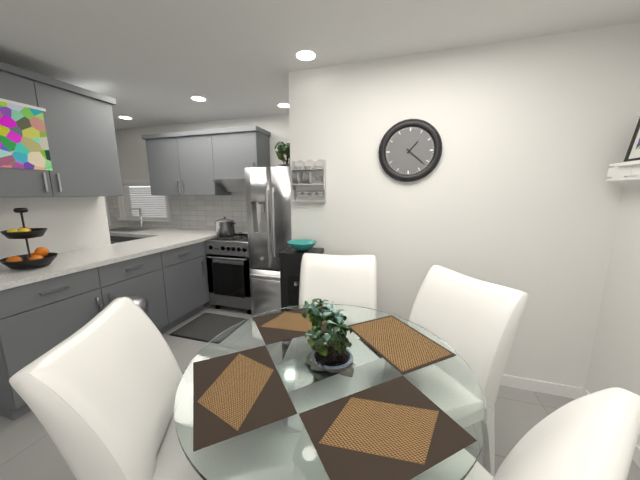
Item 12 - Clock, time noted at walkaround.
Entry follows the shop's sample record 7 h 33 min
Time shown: 1 h 22 min
